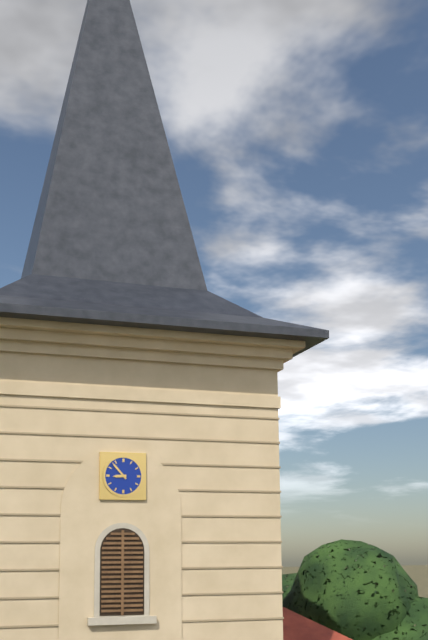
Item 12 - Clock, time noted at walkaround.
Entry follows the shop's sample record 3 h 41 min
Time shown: 8 h 53 min
